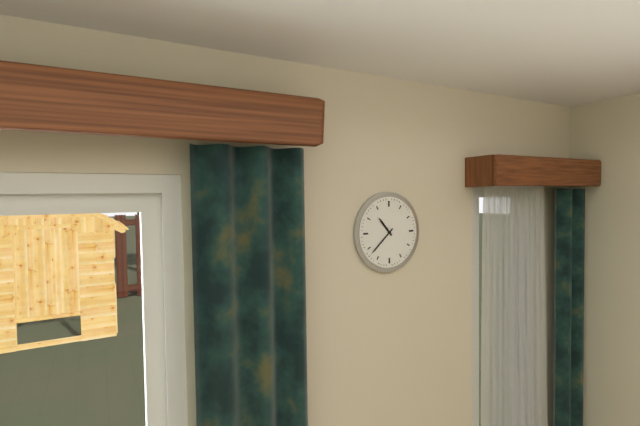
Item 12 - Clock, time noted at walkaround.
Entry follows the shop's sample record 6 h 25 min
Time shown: 10 h 38 min
